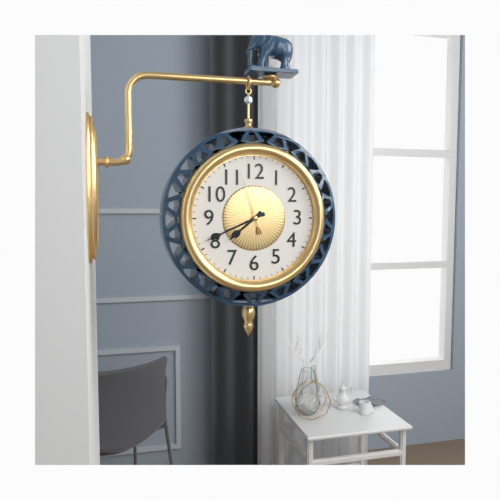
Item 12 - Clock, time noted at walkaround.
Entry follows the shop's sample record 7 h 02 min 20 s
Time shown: 7 h 41 min 57 s
